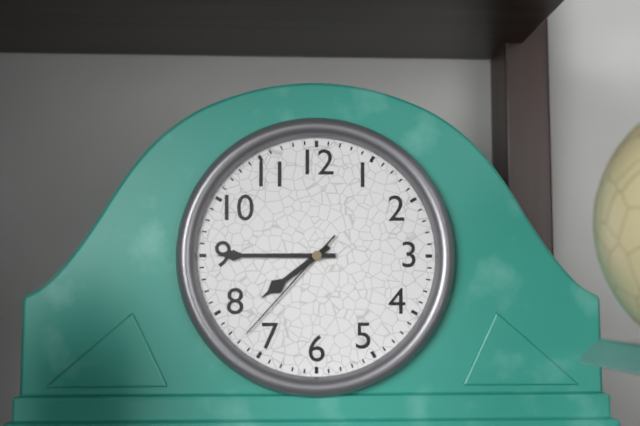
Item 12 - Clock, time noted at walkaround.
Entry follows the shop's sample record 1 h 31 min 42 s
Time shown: 7 h 45 min 37 s
